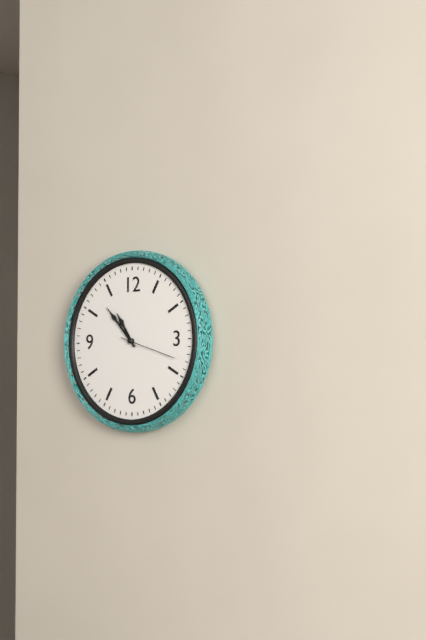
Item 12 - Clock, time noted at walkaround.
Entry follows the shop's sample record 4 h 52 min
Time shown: 10 h 53 min
